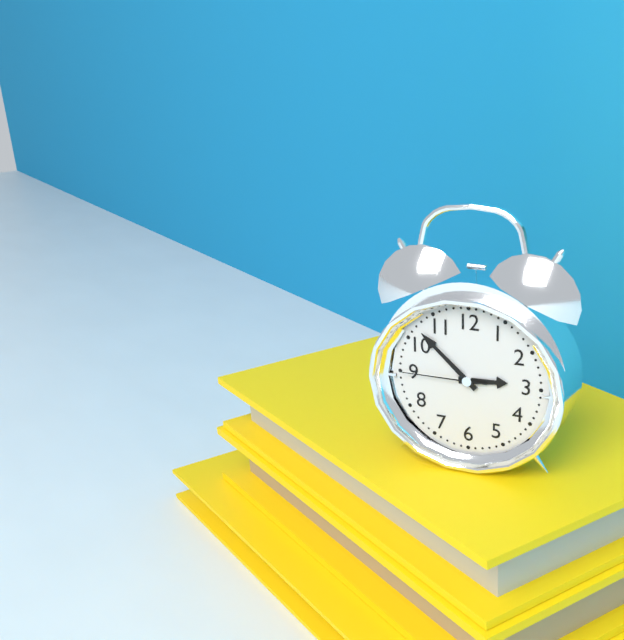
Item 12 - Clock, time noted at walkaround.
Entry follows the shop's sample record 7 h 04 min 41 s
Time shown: 2 h 52 min 45 s
